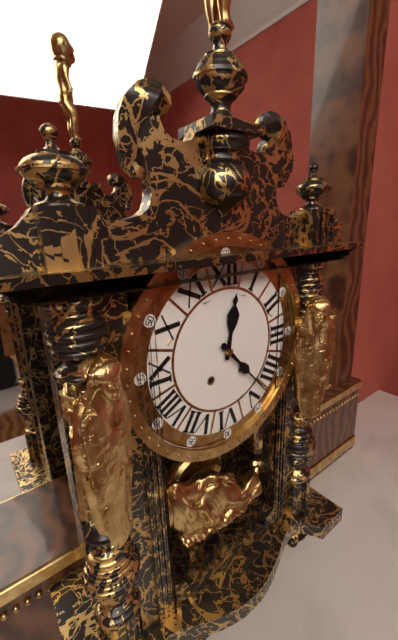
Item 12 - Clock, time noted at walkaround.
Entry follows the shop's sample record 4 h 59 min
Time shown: 12 h 23 min
